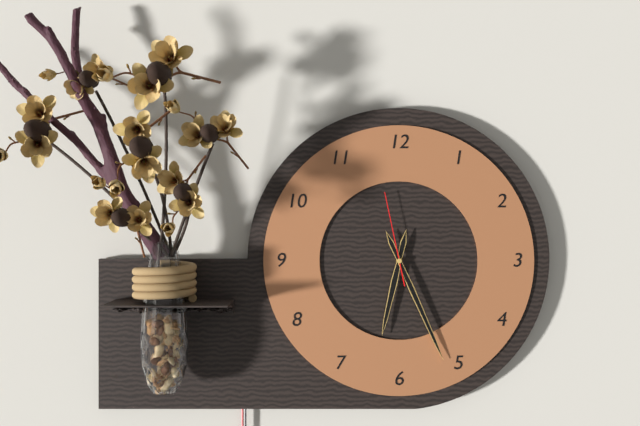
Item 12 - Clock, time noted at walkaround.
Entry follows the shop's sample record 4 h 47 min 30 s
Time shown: 6 h 26 min 58 s
